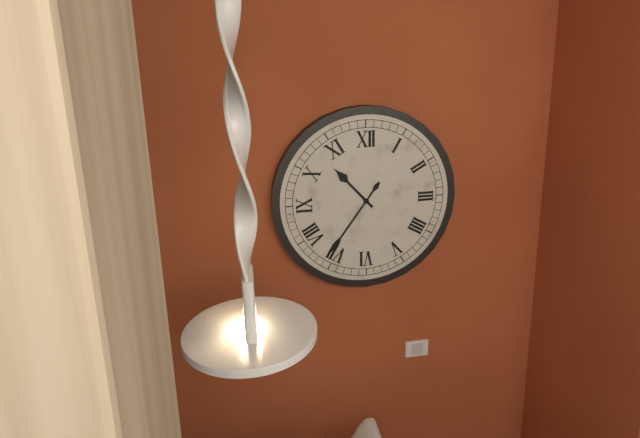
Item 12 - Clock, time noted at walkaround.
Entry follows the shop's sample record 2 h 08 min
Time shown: 10 h 36 min
